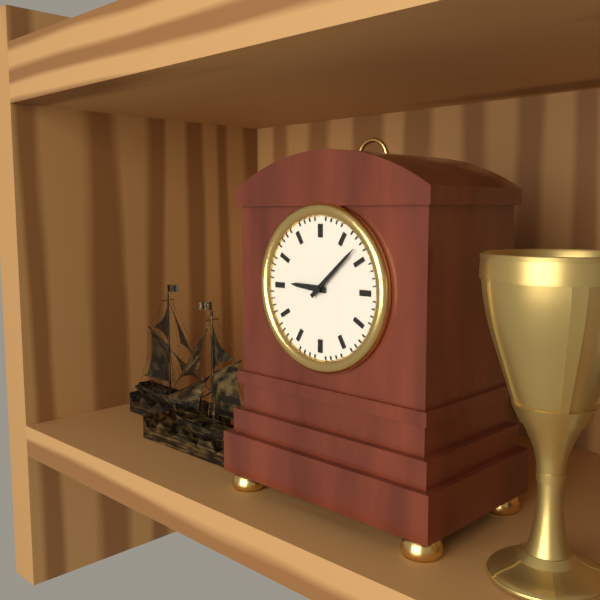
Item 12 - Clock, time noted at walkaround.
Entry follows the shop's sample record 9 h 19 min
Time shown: 9 h 08 min
